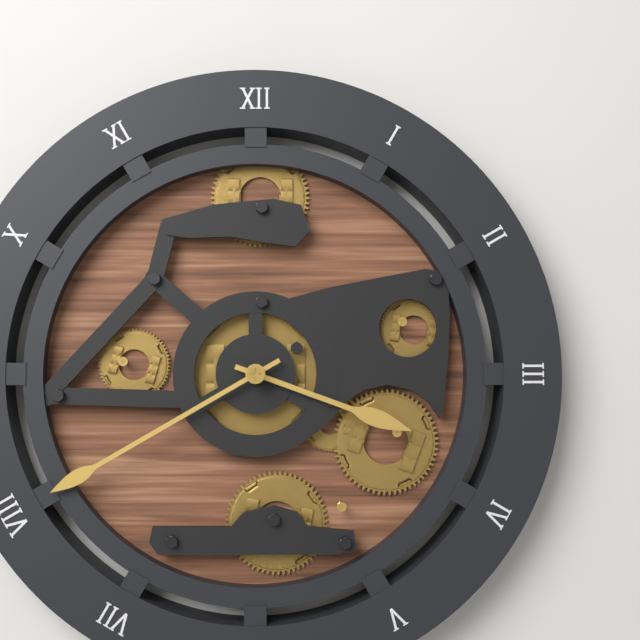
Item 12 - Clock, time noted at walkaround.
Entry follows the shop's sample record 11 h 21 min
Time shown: 3 h 40 min
